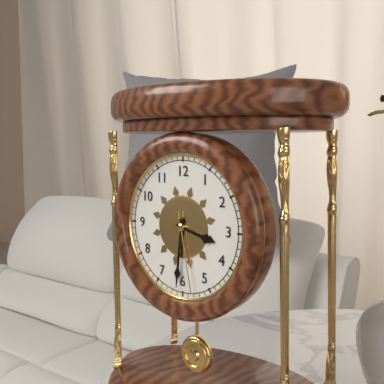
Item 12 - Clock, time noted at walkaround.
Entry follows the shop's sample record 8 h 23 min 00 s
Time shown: 3 h 31 min 28 s
